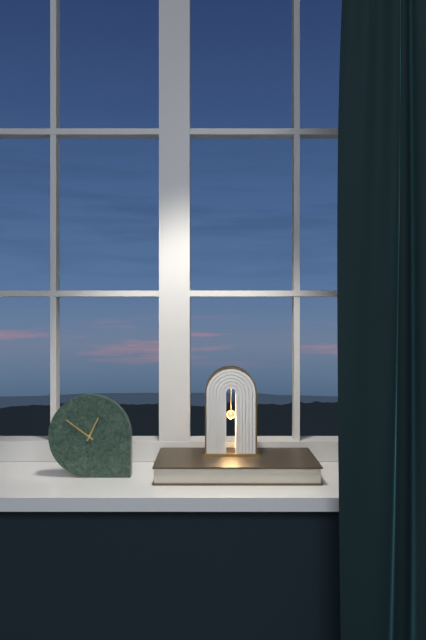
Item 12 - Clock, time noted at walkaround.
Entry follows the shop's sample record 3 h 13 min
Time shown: 12 h 51 min
